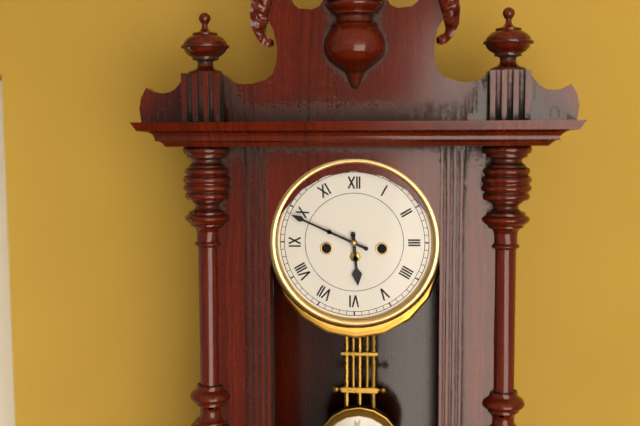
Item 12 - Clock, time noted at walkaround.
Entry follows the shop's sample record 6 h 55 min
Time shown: 5 h 49 min
